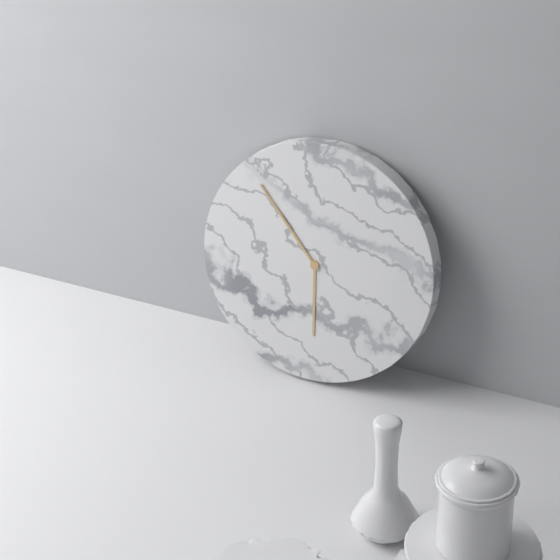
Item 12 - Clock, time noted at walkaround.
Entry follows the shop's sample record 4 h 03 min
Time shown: 5 h 53 min
